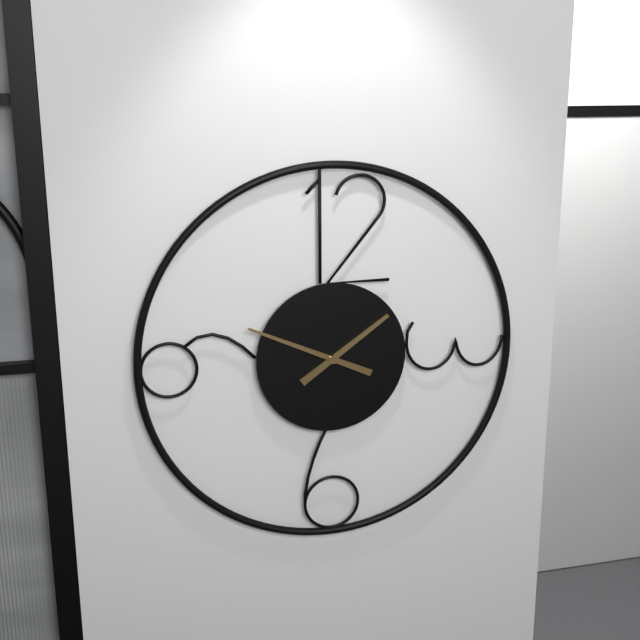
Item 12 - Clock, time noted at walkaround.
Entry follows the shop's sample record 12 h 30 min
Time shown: 1 h 49 min
